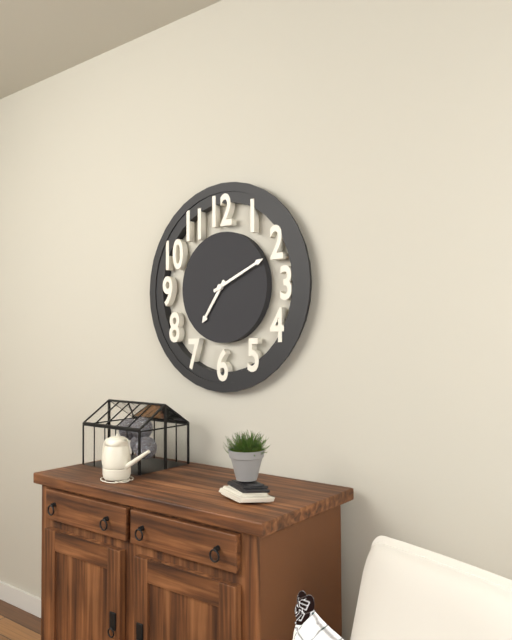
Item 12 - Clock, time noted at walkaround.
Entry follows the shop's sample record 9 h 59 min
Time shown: 7 h 11 min
